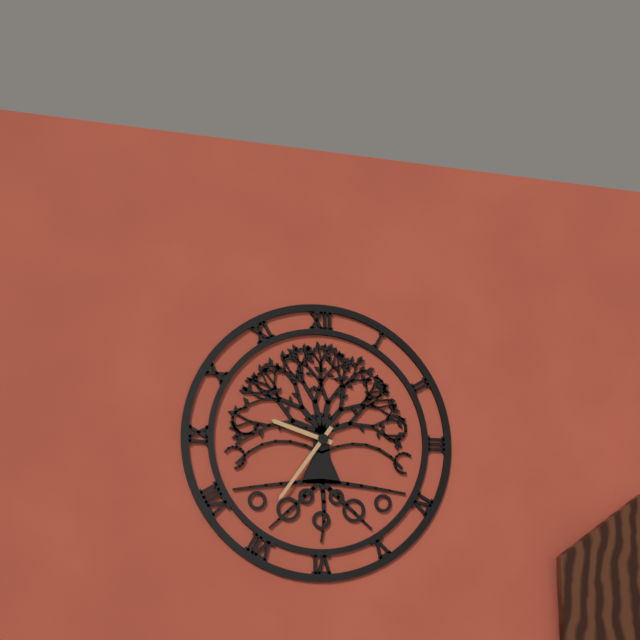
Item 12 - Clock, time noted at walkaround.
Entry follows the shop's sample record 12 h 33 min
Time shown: 9 h 36 min
